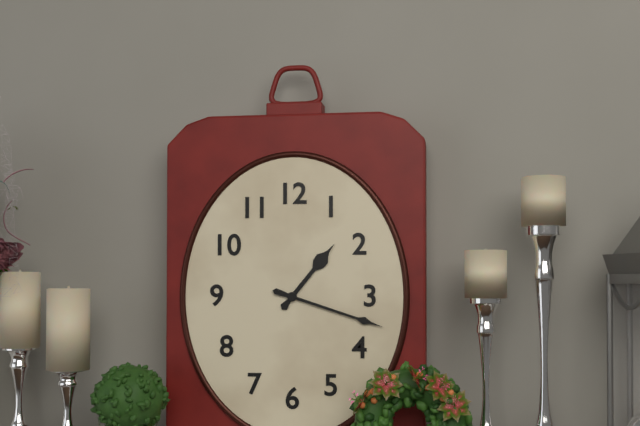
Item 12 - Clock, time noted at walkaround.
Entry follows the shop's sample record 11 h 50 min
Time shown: 1 h 18 min
